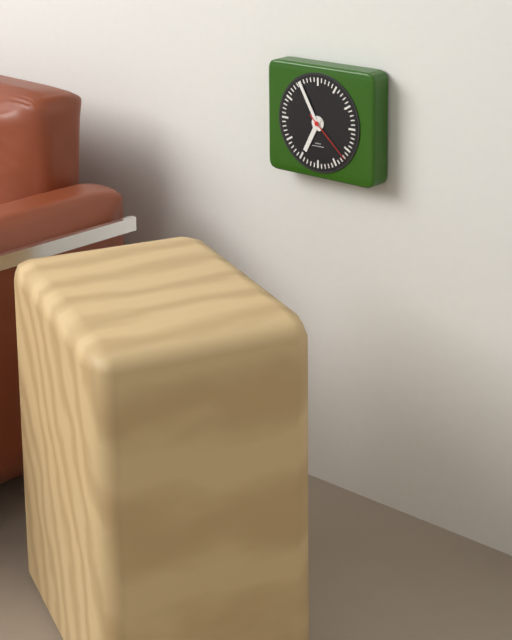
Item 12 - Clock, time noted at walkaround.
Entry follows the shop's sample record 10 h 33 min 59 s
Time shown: 6 h 55 min 22 s
